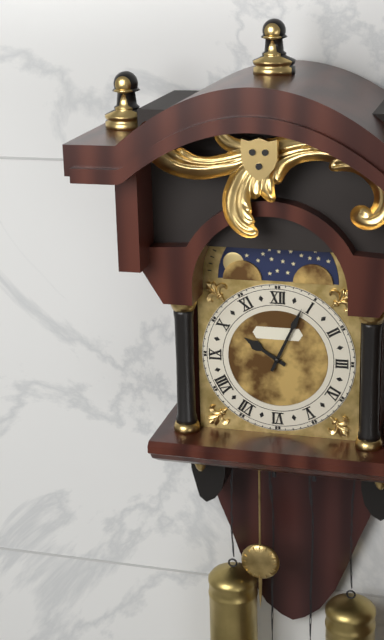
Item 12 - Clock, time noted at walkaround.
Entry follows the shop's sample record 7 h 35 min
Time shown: 10 h 04 min
